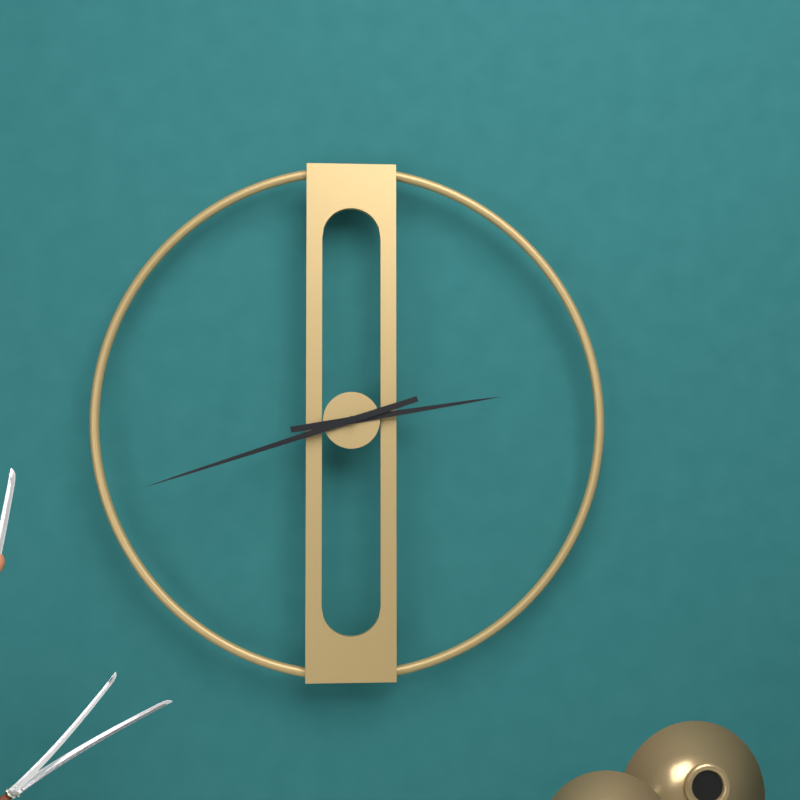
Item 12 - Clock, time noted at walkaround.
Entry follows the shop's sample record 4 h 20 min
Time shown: 2 h 42 min
